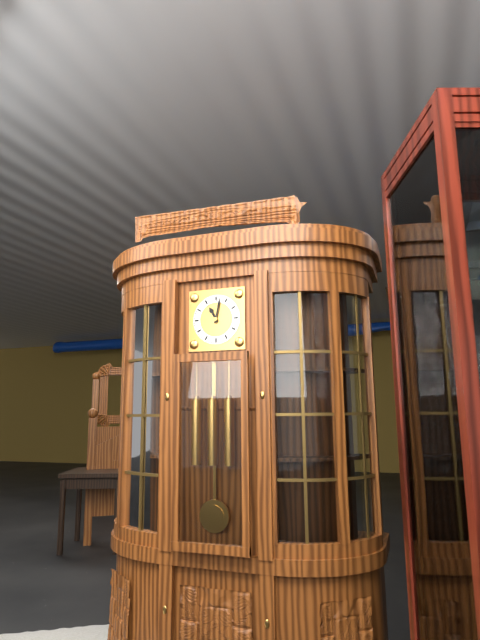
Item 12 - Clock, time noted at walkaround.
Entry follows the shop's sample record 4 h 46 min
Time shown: 11 h 02 min
